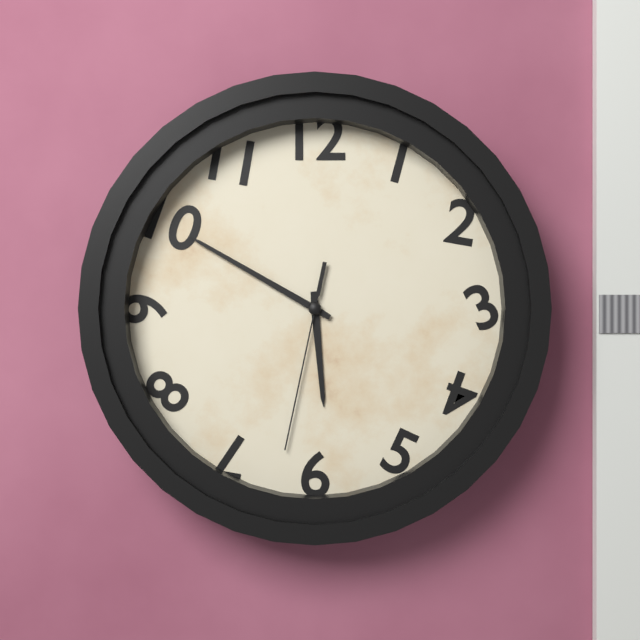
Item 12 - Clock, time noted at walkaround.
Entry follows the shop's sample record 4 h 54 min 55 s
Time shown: 5 h 50 min 32 s
